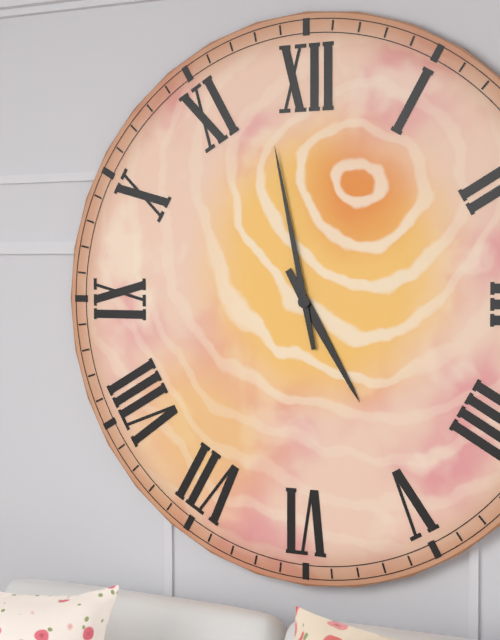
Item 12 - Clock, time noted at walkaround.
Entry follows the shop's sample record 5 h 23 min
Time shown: 4 h 58 min
